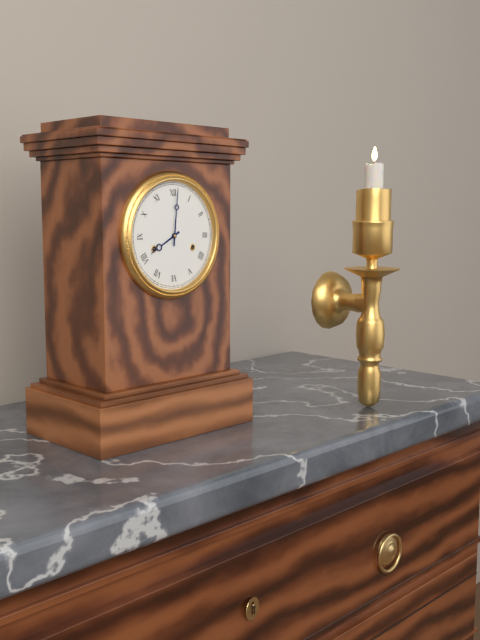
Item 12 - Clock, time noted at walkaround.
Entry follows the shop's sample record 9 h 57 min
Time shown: 8 h 01 min
